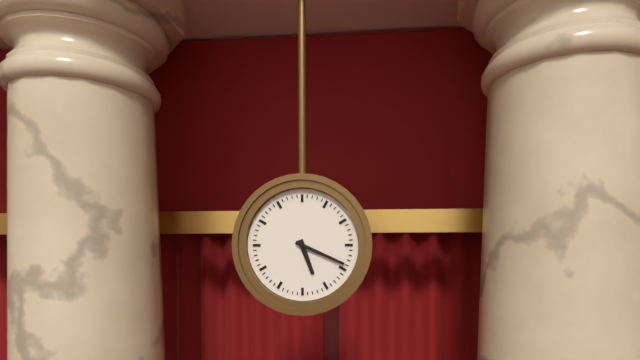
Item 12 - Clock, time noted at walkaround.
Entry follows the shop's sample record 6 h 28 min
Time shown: 5 h 19 min
